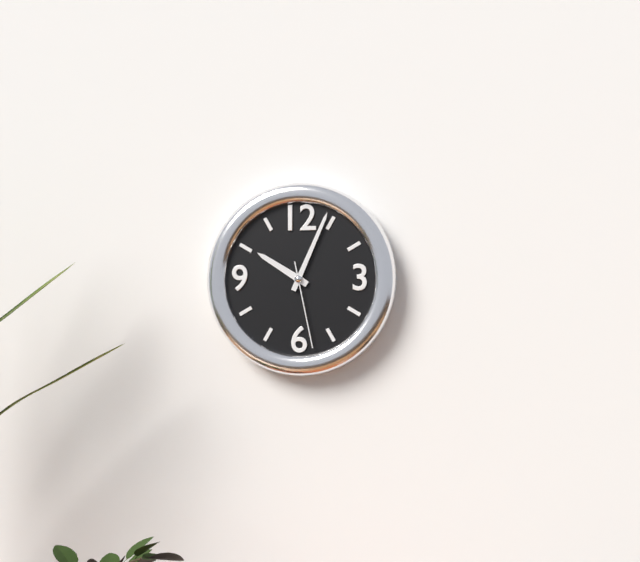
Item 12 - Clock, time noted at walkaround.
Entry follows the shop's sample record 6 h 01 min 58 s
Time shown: 10 h 04 min 28 s
